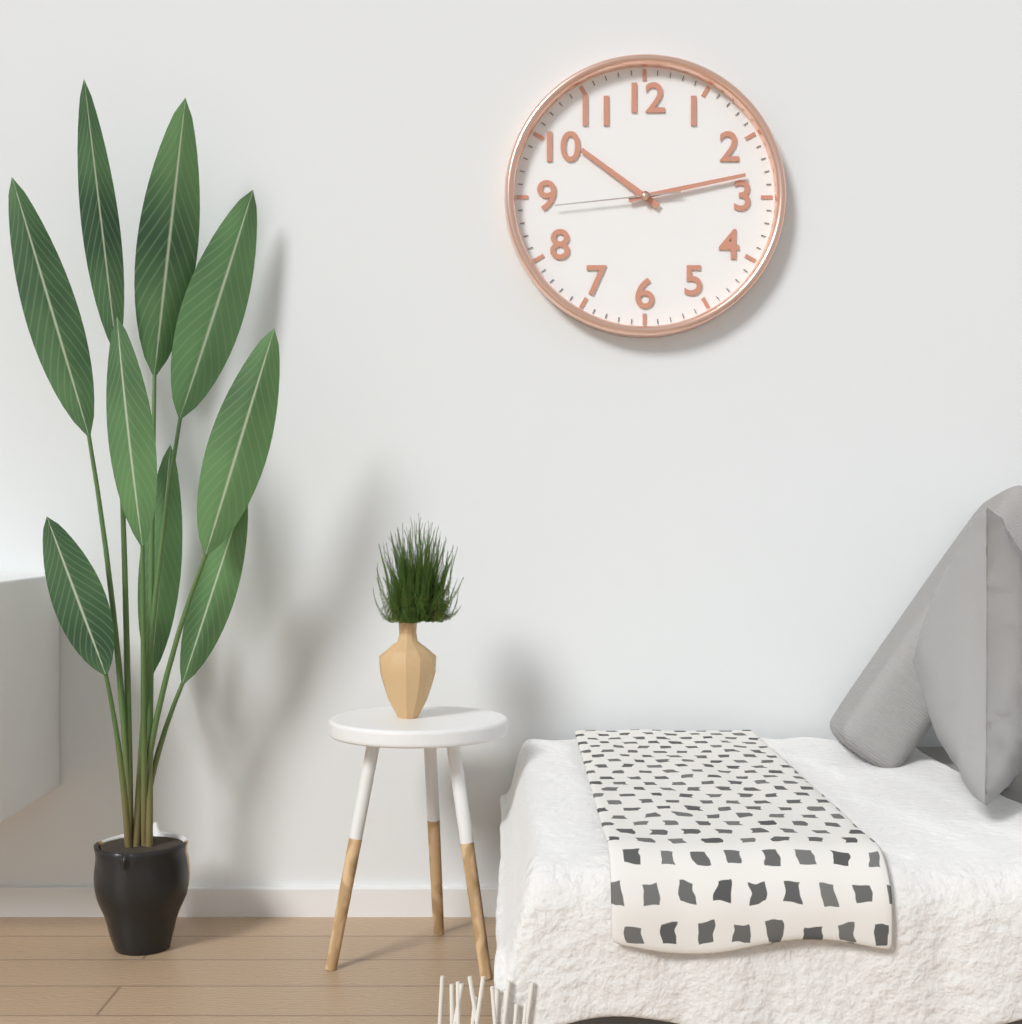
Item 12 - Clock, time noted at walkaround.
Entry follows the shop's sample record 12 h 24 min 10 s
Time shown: 10 h 13 min 44 s
